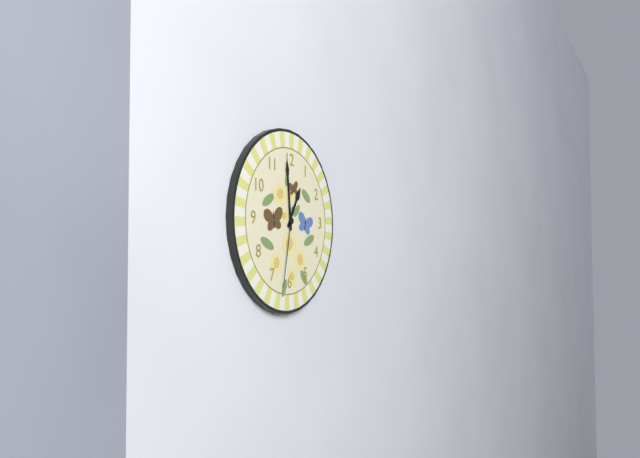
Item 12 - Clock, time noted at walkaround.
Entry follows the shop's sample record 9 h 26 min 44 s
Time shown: 12 h 59 min 32 s
